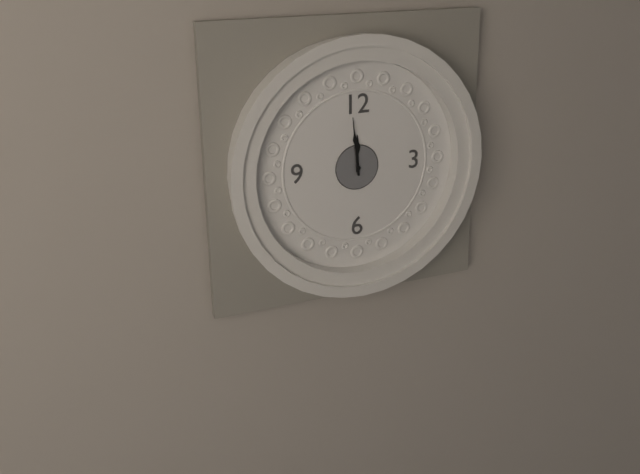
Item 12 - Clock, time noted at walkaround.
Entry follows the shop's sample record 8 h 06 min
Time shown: 11 h 59 min
